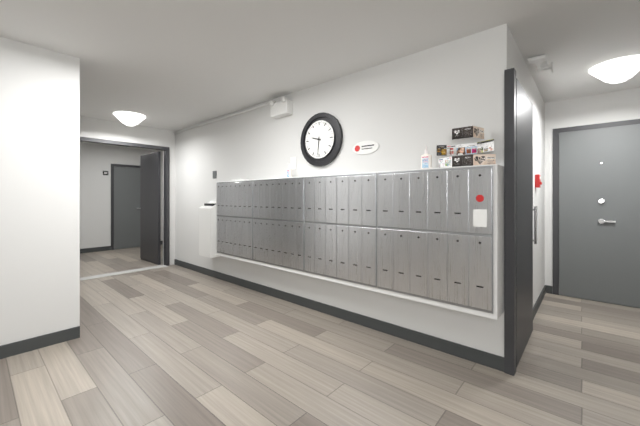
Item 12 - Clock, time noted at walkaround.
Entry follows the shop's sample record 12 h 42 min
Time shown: 9 h 31 min
